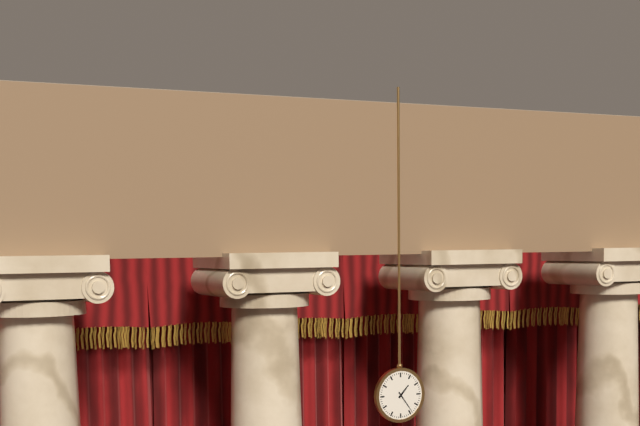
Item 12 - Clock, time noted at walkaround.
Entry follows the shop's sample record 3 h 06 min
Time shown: 1 h 24 min
